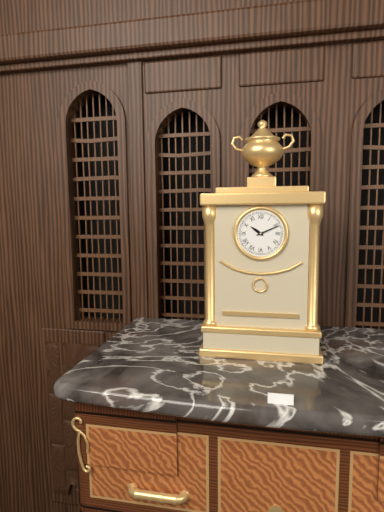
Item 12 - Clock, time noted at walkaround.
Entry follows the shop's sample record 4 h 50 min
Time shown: 10 h 11 min
